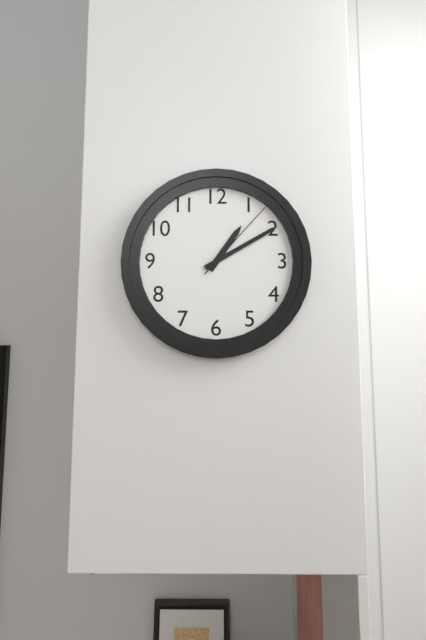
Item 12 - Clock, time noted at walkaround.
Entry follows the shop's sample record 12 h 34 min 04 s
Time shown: 1 h 10 min 07 s
